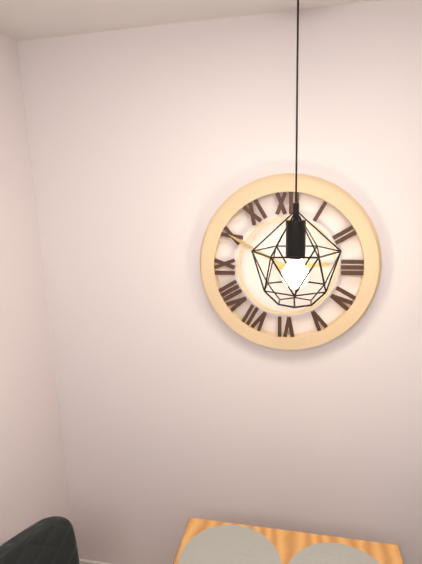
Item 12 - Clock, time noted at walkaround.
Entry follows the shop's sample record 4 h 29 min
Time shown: 2 h 50 min
